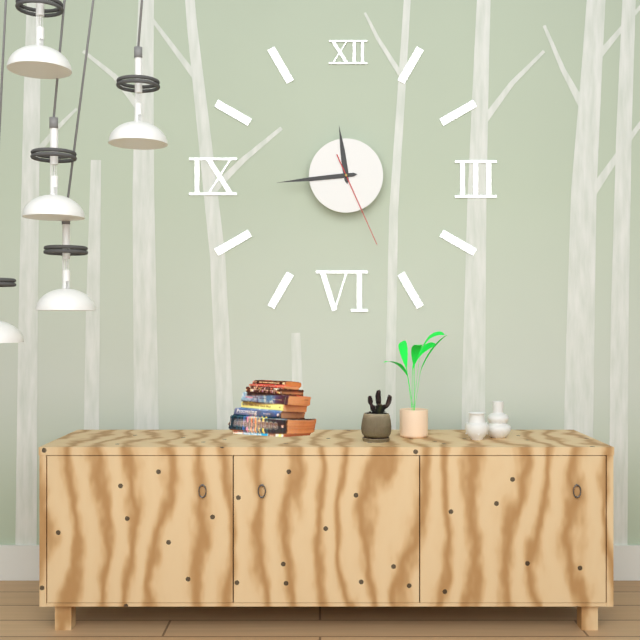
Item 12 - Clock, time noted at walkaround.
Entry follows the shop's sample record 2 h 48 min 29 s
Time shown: 11 h 44 min 26 s
